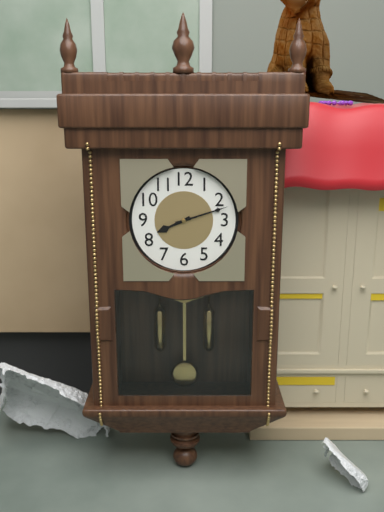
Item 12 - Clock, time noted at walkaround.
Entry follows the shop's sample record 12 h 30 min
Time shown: 8 h 12 min
